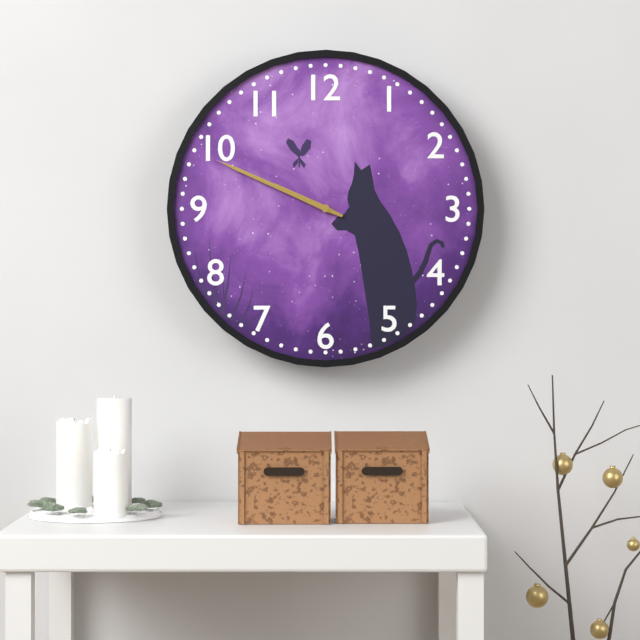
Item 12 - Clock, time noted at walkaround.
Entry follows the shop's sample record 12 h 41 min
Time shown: 9 h 49 min
